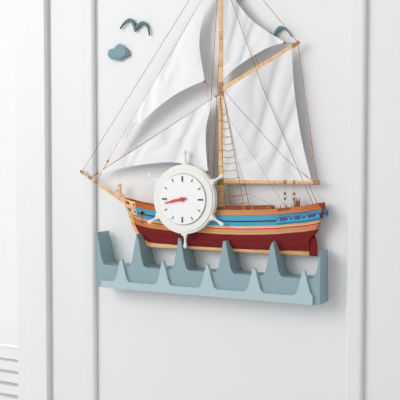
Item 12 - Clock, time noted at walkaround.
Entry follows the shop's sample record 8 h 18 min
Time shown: 8 h 43 min
